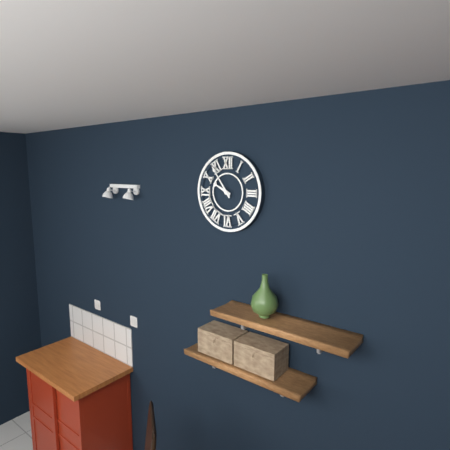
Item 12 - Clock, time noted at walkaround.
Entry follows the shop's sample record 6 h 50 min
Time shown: 9 h 54 min
